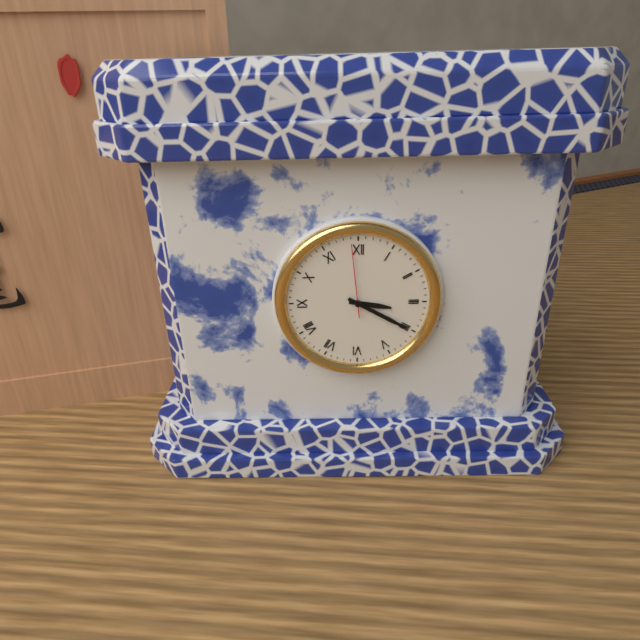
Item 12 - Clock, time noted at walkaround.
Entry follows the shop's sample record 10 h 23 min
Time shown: 3 h 20 min
